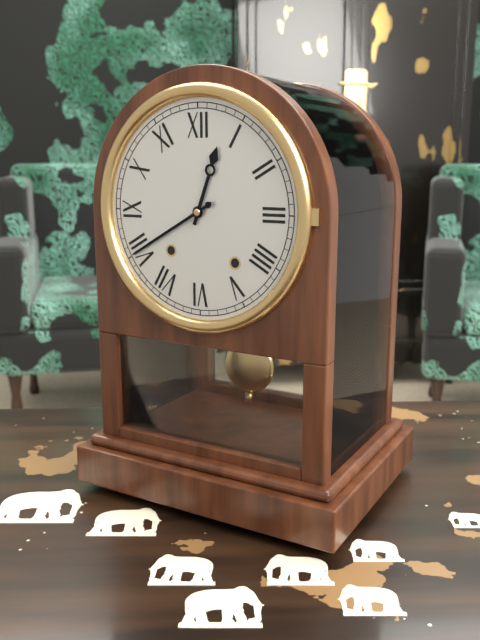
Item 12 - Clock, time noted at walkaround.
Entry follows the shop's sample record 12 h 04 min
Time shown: 12 h 40 min
